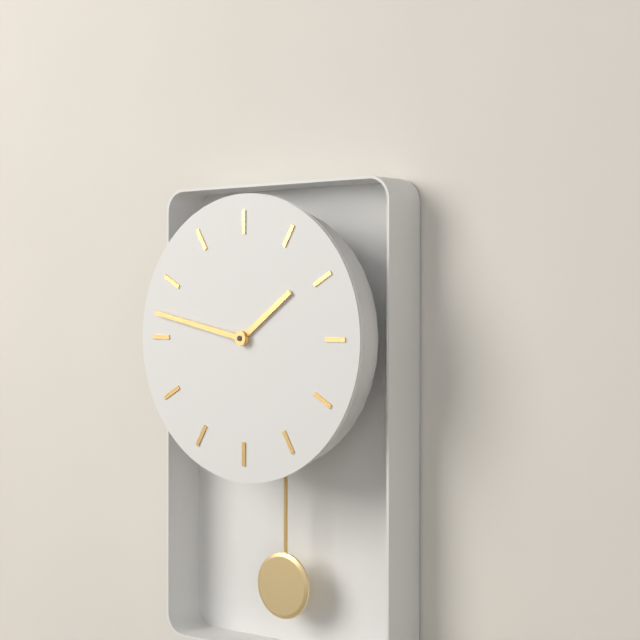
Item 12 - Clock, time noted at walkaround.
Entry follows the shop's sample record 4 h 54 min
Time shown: 1 h 47 min
